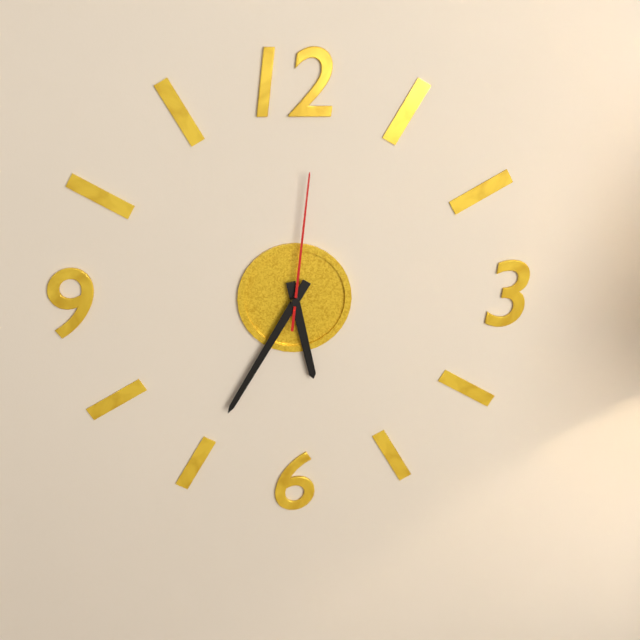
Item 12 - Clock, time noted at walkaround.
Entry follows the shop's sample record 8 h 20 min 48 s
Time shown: 5 h 35 min 01 s
